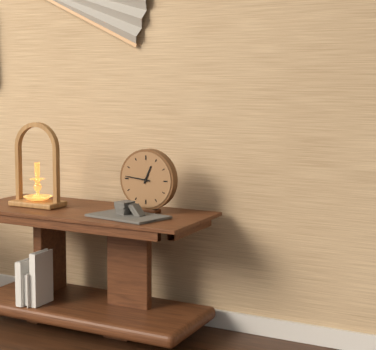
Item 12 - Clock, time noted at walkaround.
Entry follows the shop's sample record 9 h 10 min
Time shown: 12 h 46 min
